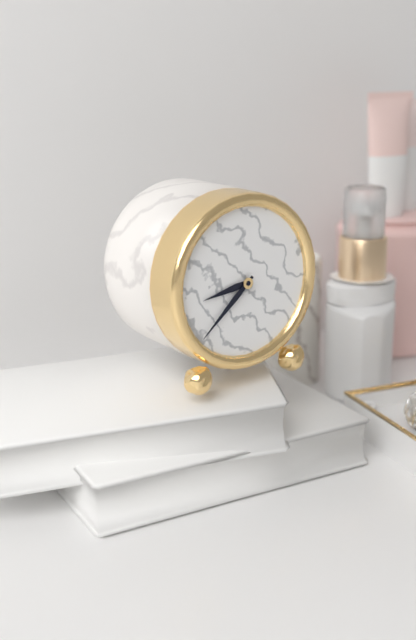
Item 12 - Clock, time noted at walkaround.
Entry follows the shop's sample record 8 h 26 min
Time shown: 8 h 38 min
